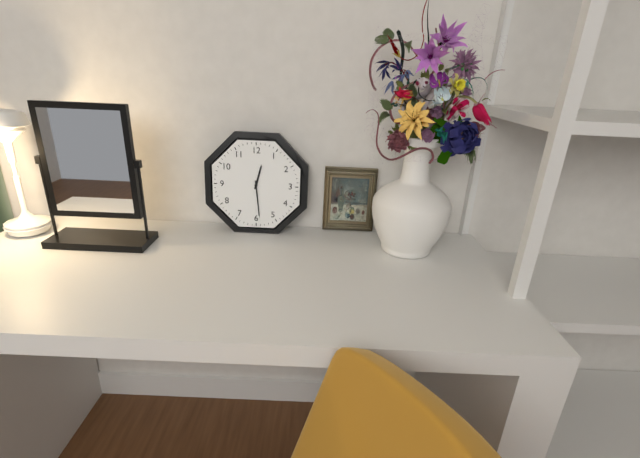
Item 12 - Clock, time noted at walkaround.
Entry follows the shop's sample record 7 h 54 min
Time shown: 12 h 29 min
